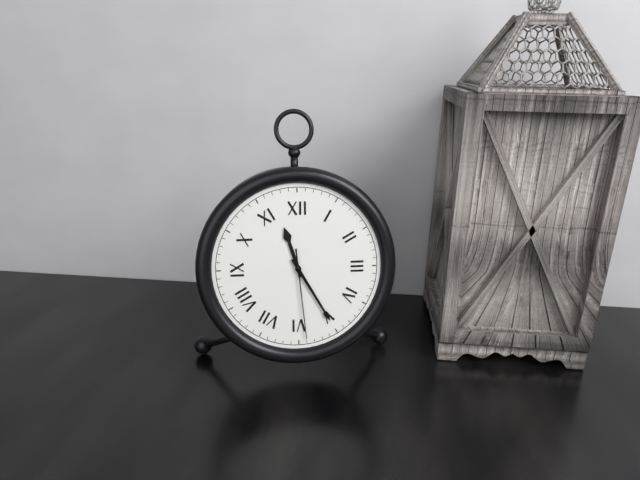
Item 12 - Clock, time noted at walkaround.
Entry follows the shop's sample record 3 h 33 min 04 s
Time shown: 11 h 25 min 29 s
